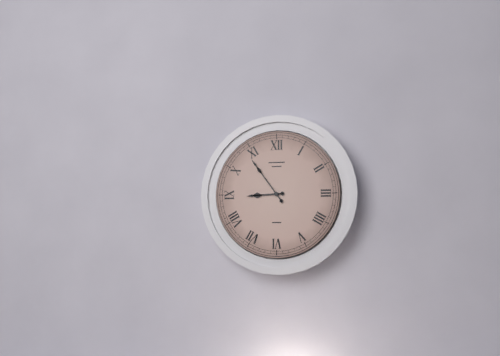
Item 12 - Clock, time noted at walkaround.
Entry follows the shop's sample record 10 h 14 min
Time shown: 8 h 54 min
